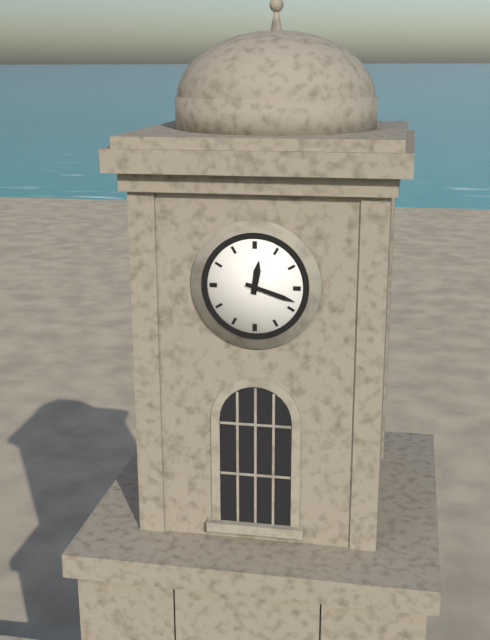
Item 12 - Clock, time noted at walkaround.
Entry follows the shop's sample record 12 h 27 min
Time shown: 12 h 18 min
